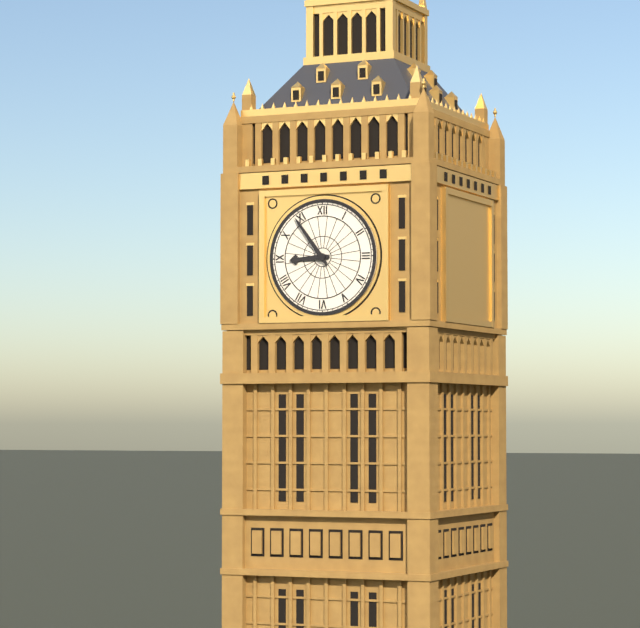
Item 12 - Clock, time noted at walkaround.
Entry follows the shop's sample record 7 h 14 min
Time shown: 8 h 54 min
